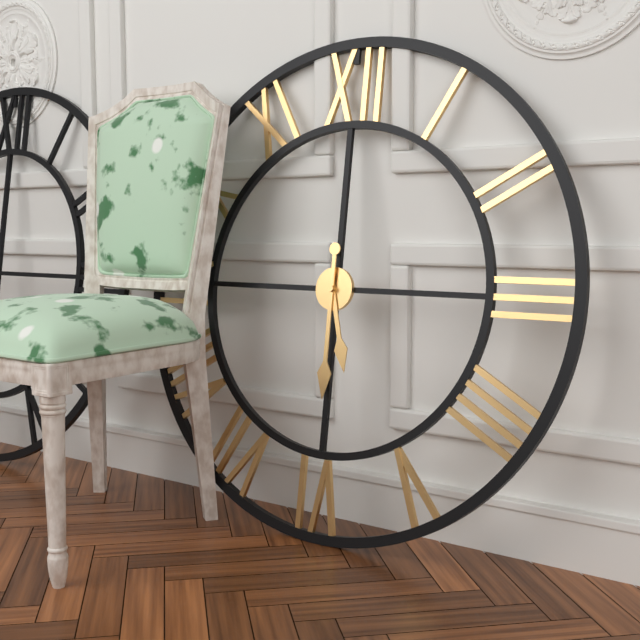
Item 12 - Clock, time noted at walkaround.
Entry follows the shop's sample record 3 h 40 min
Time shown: 5 h 30 min
